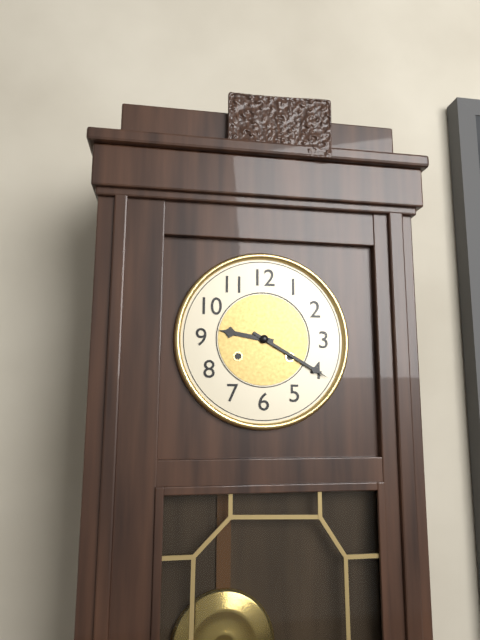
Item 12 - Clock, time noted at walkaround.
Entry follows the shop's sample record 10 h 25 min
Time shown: 9 h 20 min
